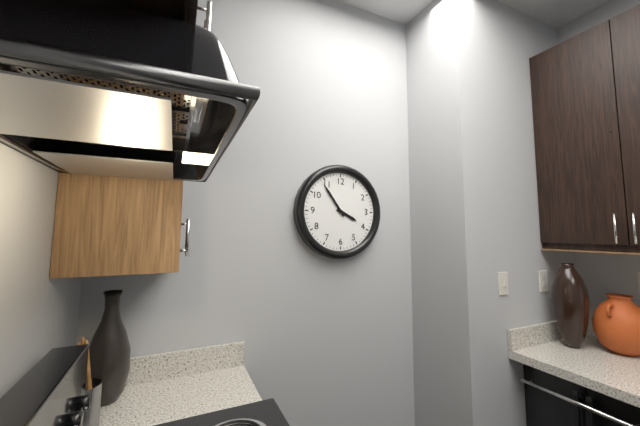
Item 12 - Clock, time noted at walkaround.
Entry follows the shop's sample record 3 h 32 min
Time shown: 3 h 54 min
